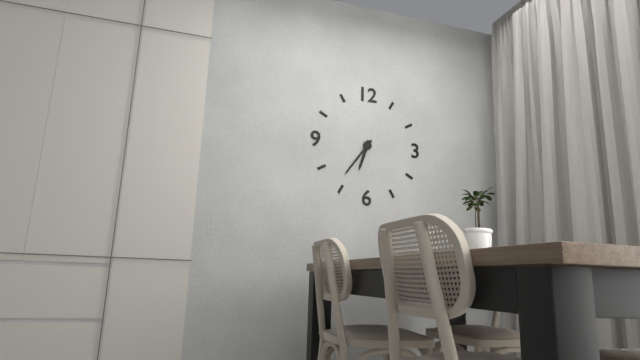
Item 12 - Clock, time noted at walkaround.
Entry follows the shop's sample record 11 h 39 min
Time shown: 6 h 36 min
